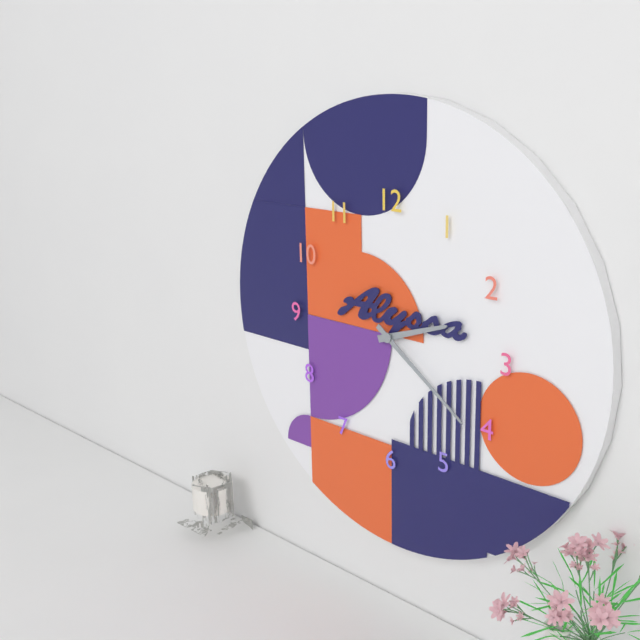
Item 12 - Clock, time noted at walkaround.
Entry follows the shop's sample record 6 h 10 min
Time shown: 2 h 21 min
